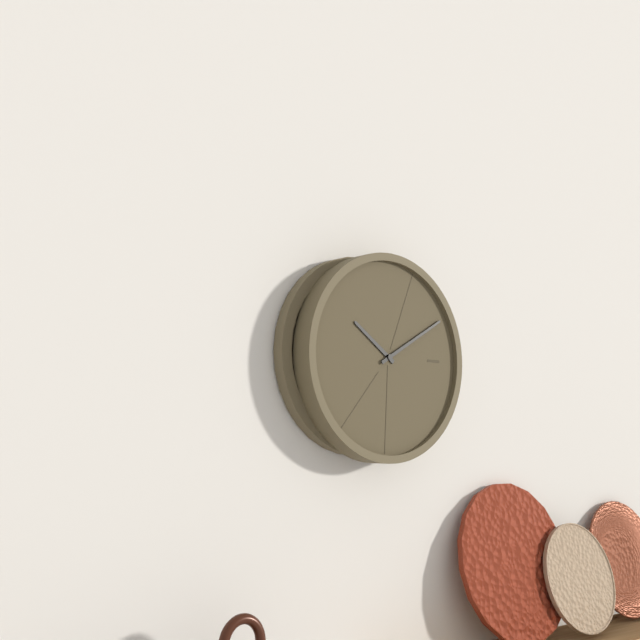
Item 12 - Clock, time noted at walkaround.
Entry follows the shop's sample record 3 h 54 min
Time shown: 10 h 10 min
